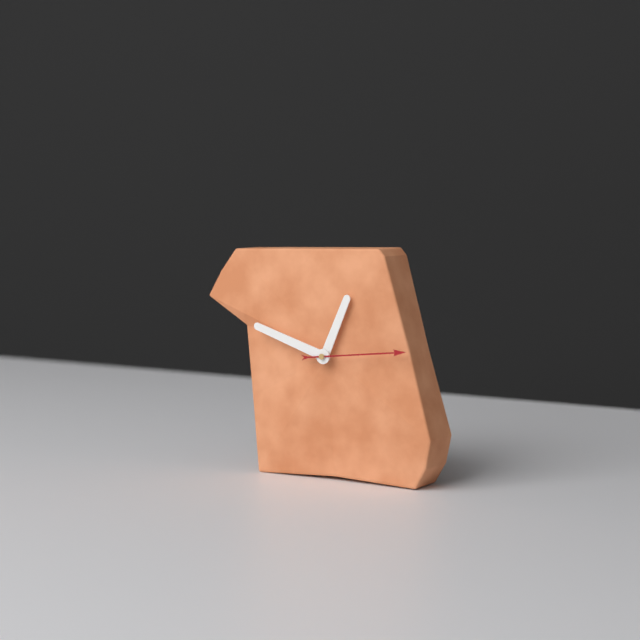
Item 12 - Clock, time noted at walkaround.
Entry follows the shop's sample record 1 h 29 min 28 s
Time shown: 12 h 48 min 14 s
